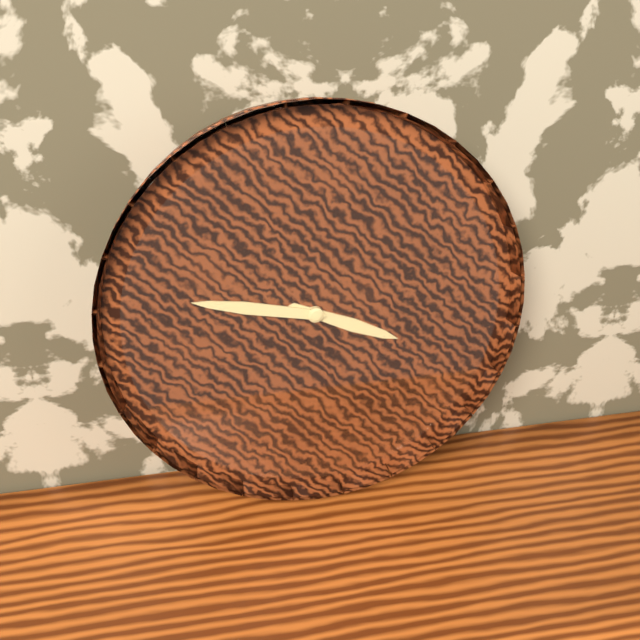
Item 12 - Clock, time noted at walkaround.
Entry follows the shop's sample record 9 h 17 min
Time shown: 3 h 47 min
